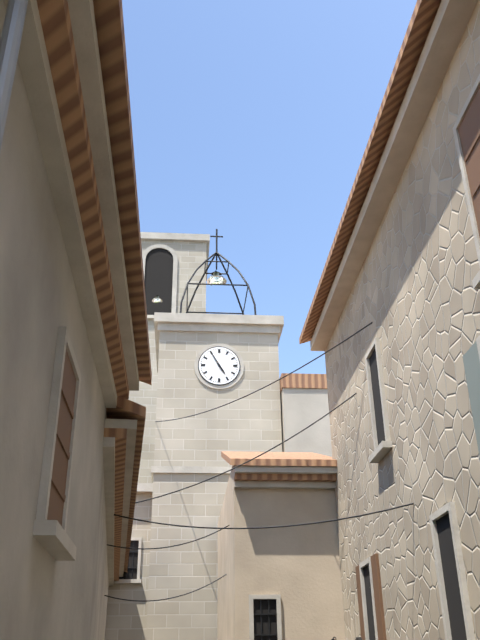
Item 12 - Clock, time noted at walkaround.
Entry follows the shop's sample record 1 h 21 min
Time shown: 4 h 55 min
